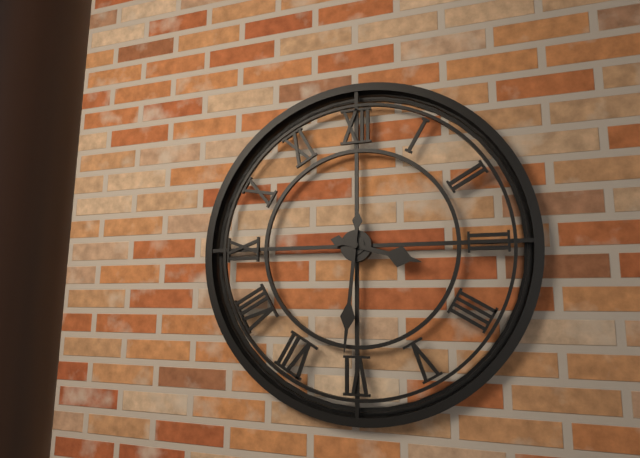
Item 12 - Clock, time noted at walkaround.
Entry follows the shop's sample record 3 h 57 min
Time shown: 3 h 31 min
